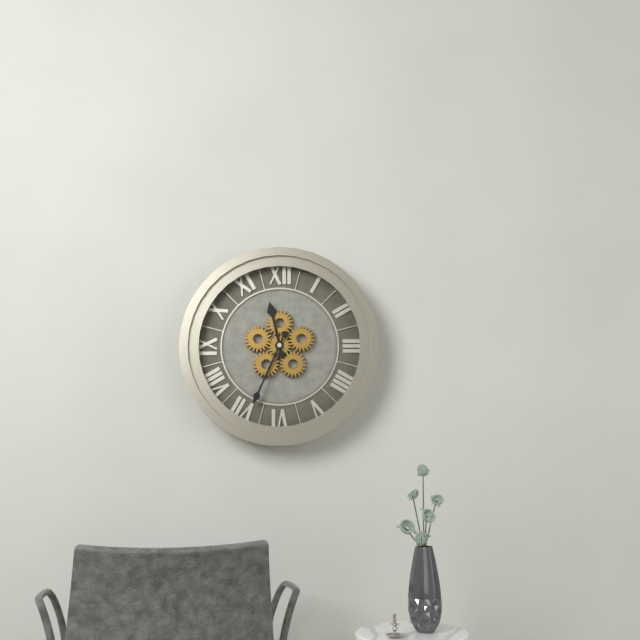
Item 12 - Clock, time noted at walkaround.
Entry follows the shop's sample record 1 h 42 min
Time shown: 11 h 34 min
